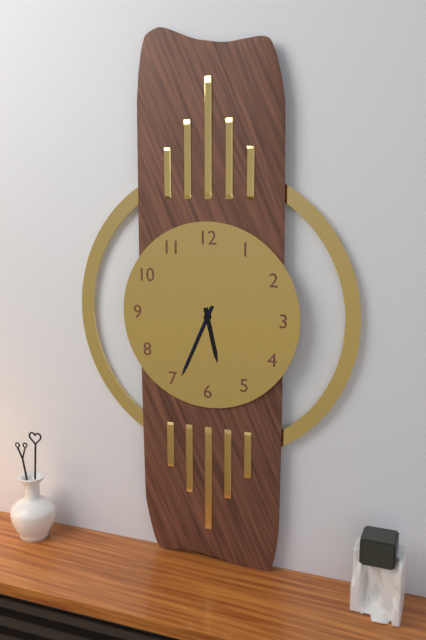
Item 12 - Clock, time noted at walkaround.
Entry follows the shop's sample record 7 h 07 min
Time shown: 5 h 34 min
